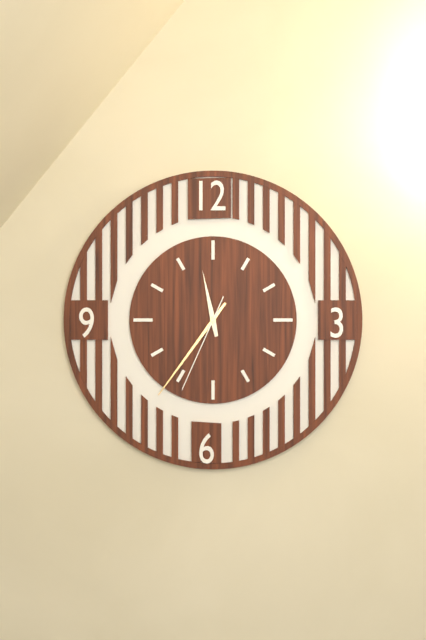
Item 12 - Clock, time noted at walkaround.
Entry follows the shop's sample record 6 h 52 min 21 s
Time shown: 11 h 36 min 34 s
